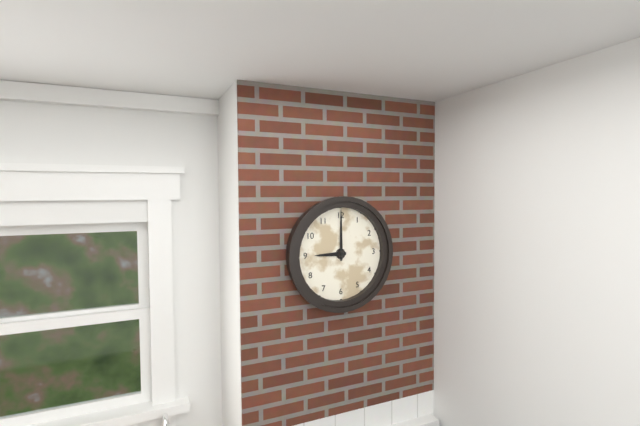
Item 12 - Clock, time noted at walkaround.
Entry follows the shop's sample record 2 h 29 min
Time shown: 9 h 00 min
